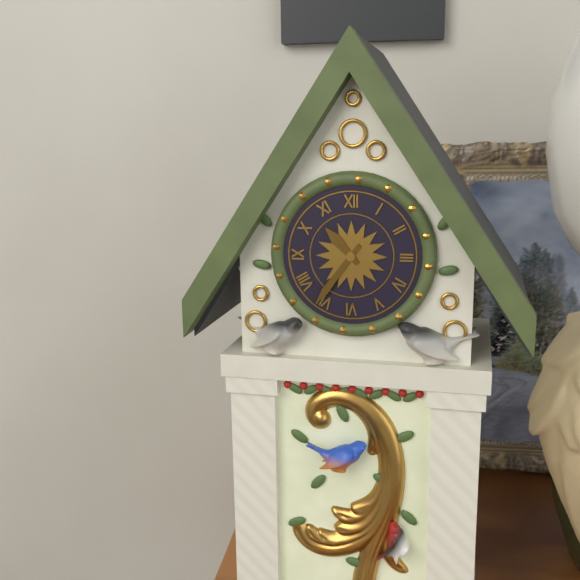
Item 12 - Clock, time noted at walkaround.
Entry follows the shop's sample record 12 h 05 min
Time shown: 10 h 36 min
